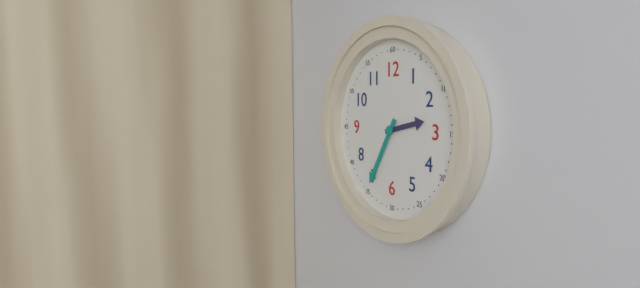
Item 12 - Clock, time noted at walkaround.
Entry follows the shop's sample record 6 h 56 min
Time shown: 2 h 35 min
